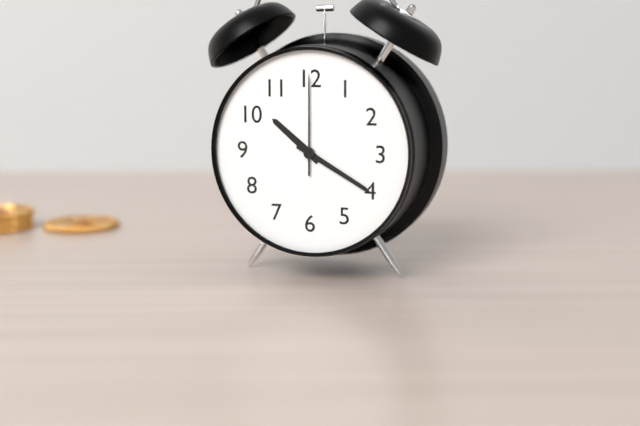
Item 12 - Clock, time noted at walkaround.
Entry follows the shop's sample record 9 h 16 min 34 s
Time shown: 10 h 20 min 00 s
